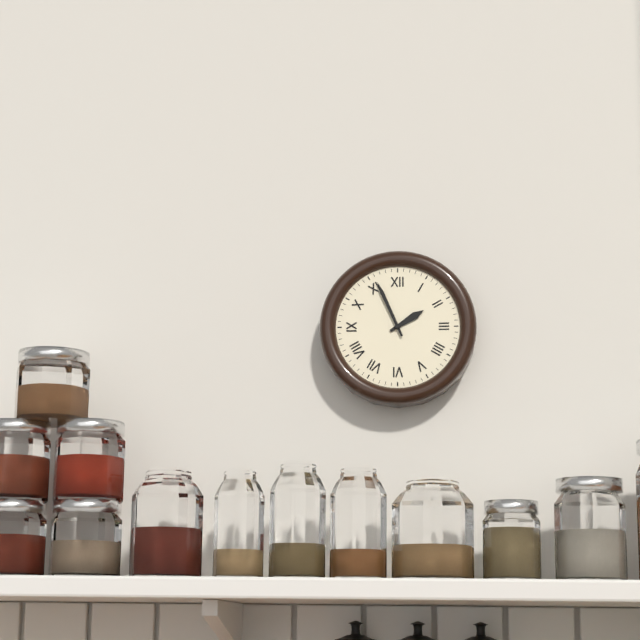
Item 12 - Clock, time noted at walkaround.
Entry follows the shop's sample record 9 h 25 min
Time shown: 1 h 56 min
